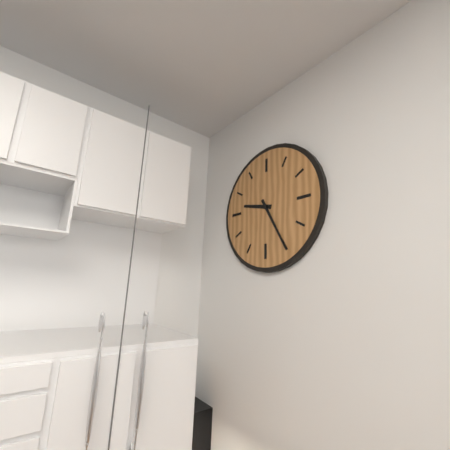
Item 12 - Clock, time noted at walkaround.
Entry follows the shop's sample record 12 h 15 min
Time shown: 9 h 25 min
